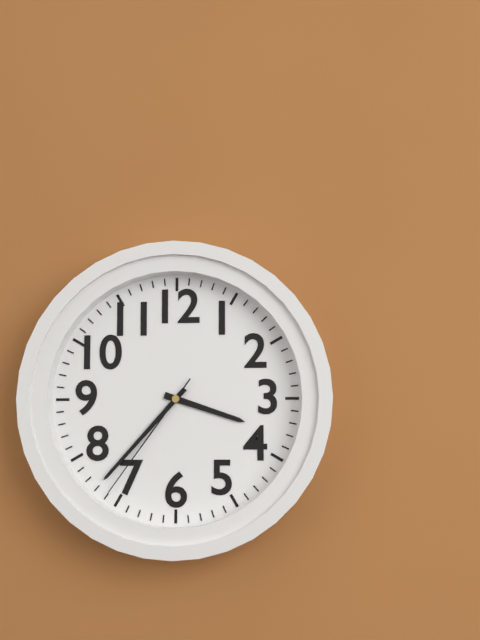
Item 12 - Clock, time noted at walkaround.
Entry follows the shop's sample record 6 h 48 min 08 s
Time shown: 3 h 37 min 36 s
